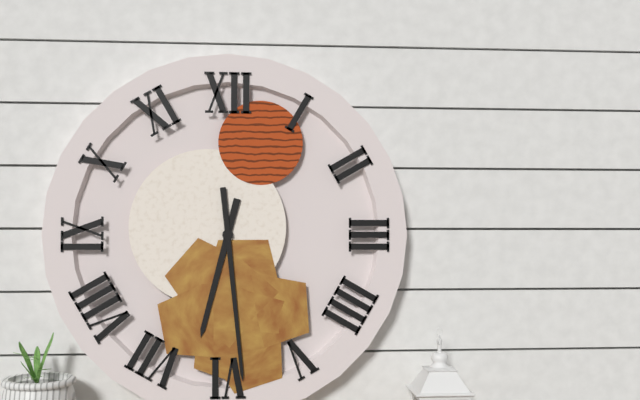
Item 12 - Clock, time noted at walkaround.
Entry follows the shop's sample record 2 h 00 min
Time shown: 6 h 29 min
